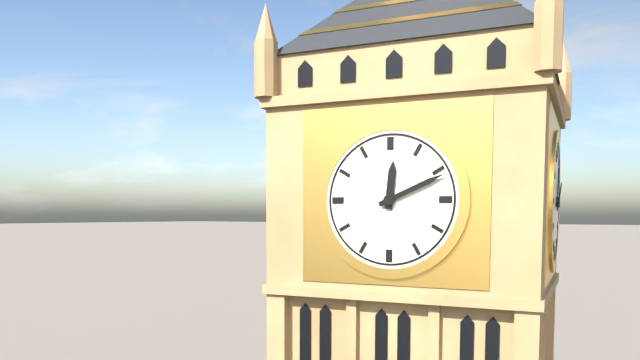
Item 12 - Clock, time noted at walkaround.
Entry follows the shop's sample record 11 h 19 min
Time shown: 12 h 11 min
